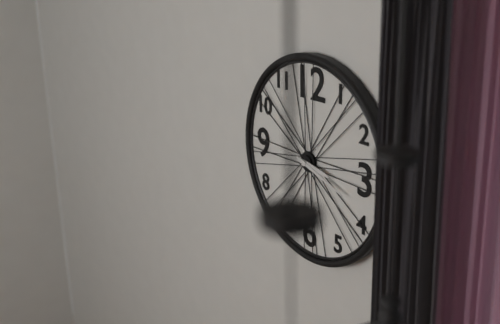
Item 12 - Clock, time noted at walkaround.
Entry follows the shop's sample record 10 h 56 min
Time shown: 3 h 18 min
